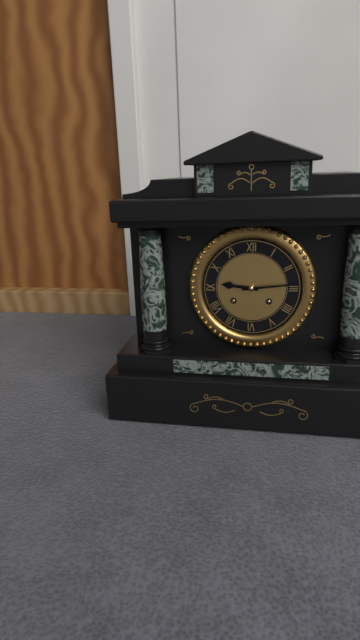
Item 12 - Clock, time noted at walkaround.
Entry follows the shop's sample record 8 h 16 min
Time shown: 9 h 14 min
